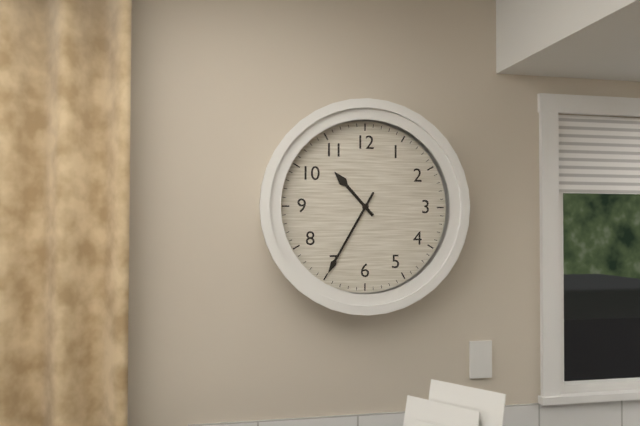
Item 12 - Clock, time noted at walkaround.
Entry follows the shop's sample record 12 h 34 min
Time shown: 10 h 35 min
